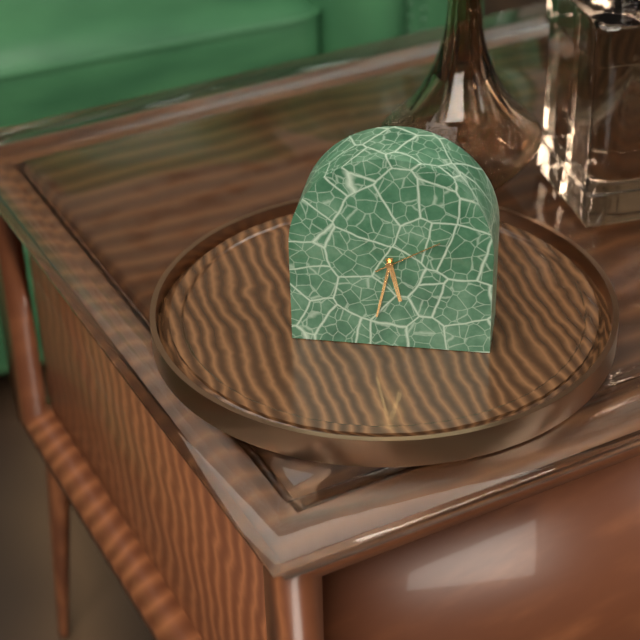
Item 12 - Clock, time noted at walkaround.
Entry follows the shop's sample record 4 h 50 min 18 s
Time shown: 5 h 32 min 10 s
